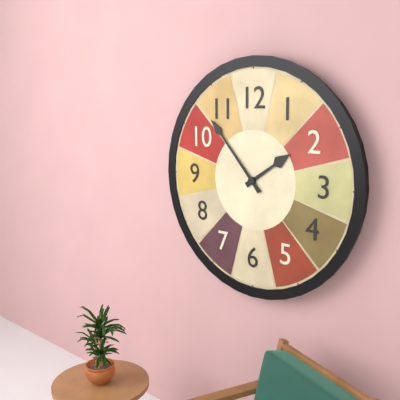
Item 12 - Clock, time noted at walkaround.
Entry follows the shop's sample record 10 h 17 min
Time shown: 1 h 53 min
